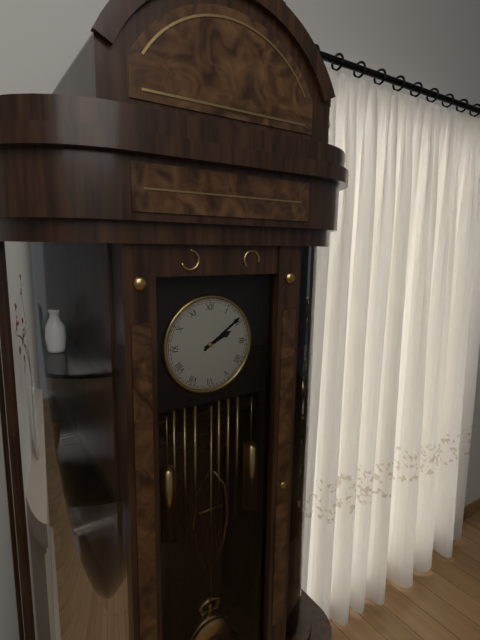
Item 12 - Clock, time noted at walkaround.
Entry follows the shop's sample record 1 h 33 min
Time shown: 2 h 09 min
